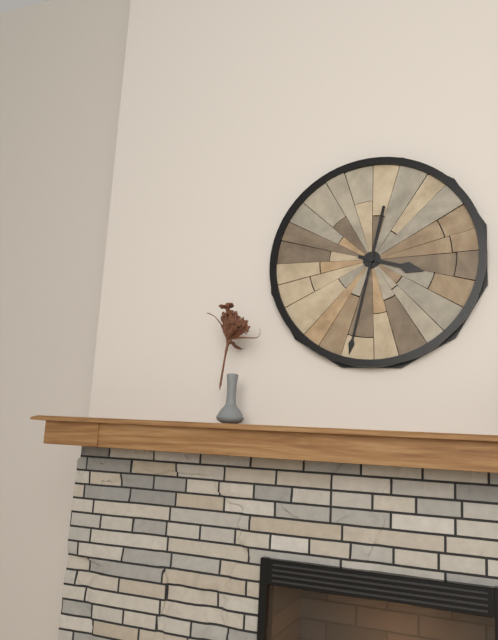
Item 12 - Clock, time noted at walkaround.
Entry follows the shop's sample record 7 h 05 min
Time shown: 3 h 32 min
